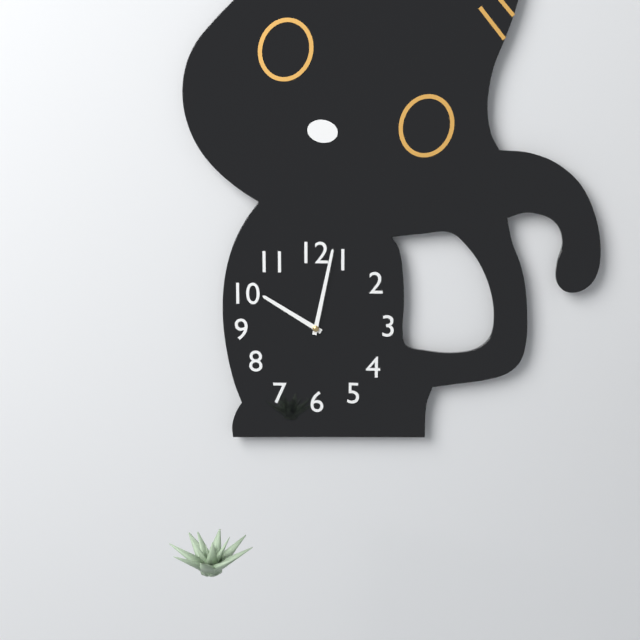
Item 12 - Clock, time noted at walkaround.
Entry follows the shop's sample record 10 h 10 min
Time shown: 10 h 02 min
